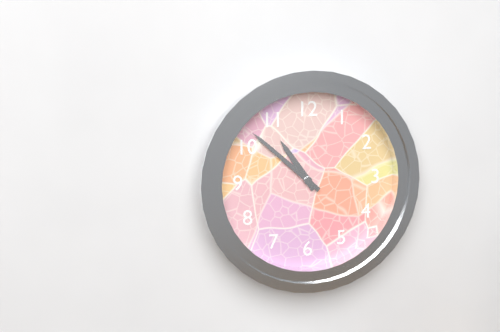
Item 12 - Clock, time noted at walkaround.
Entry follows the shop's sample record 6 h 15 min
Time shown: 10 h 52 min
